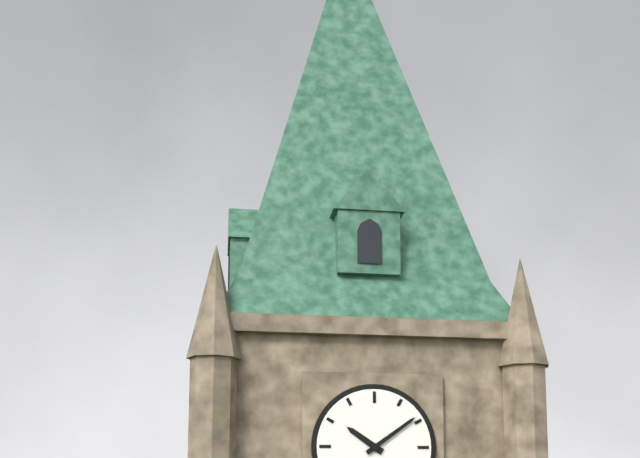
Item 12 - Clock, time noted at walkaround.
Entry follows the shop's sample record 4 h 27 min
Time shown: 10 h 09 min
